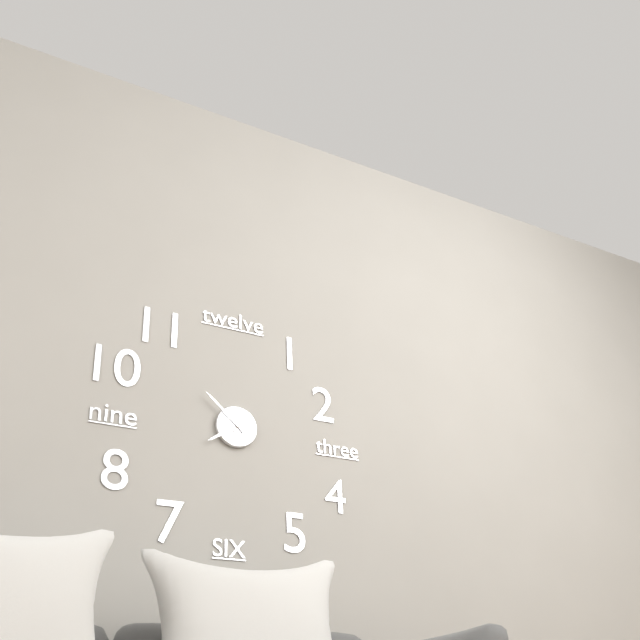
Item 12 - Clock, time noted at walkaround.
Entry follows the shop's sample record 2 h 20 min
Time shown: 7 h 52 min
